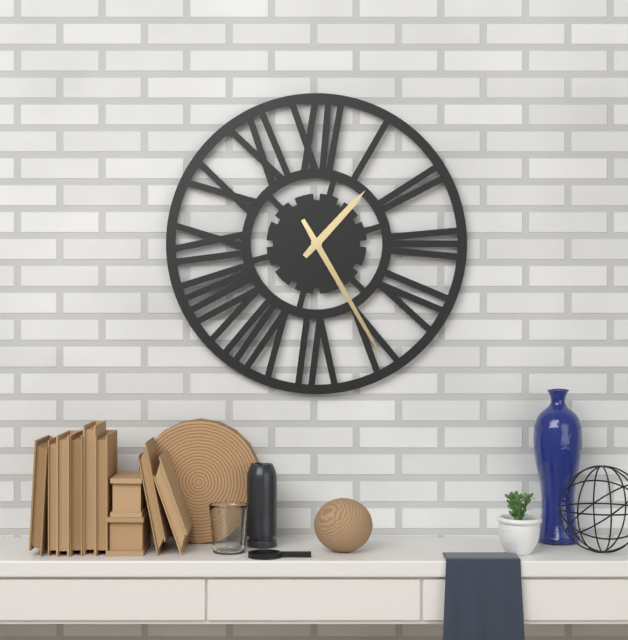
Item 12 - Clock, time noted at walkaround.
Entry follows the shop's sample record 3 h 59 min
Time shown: 1 h 25 min
